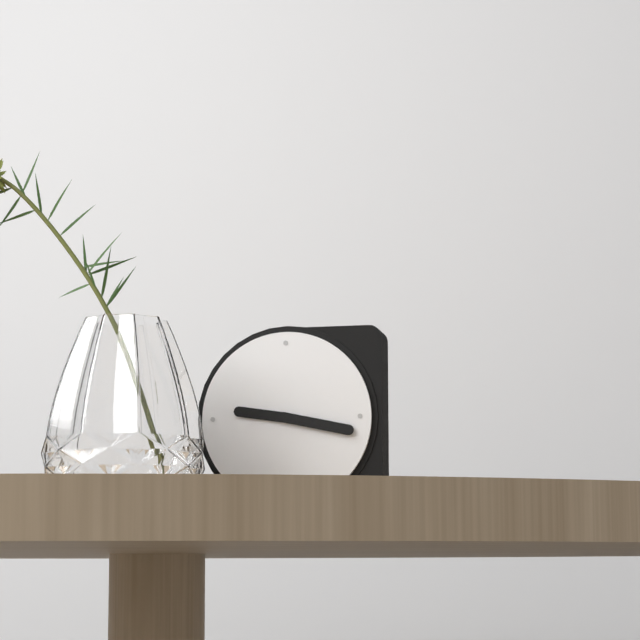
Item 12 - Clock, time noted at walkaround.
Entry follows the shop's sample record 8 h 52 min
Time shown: 9 h 17 min
